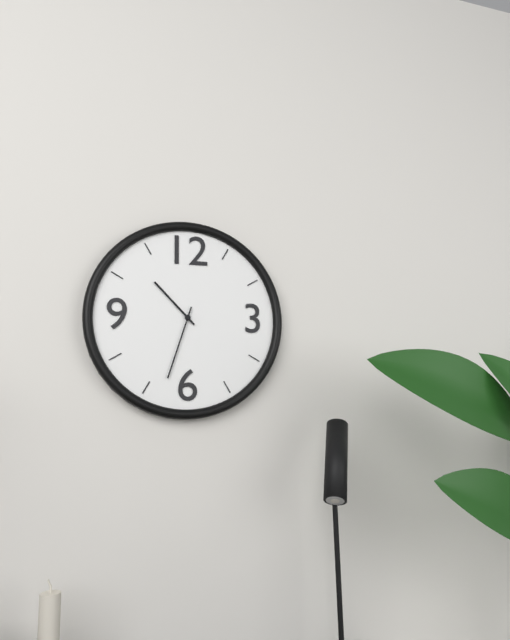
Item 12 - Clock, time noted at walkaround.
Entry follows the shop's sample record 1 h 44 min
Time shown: 10 h 33 min
